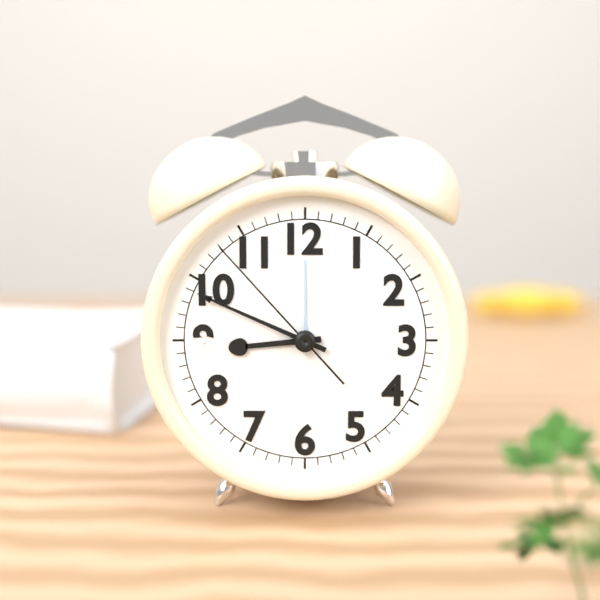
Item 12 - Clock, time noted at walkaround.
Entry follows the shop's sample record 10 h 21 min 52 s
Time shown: 8 h 49 min 53 s
